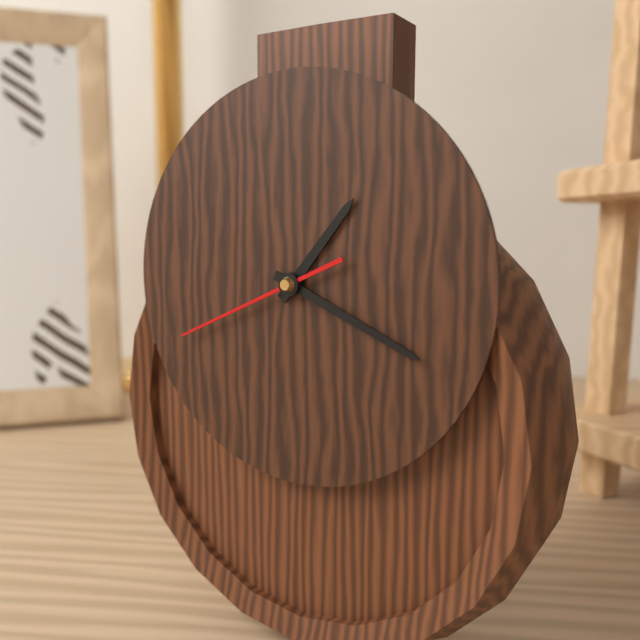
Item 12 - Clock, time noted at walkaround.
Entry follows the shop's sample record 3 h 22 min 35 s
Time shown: 1 h 19 min 41 s
